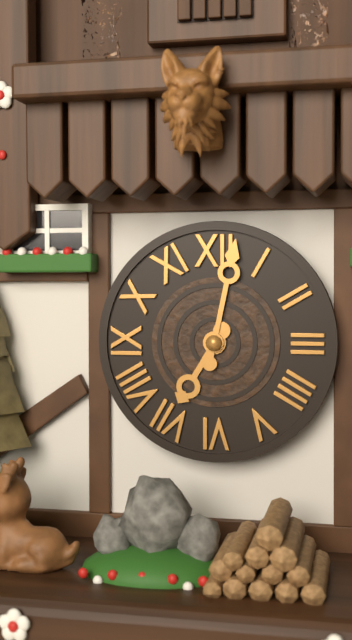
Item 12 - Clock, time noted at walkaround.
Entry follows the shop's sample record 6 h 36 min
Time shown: 7 h 02 min
